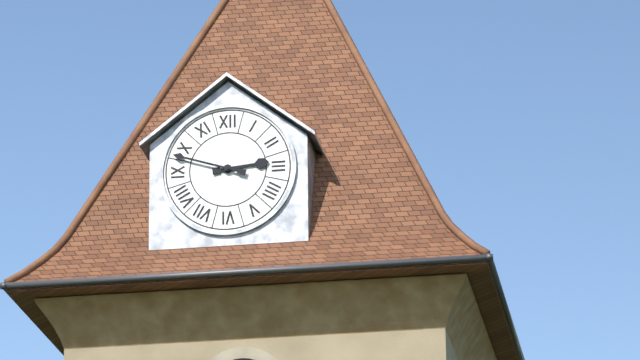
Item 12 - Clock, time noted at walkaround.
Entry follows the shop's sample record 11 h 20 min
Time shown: 2 h 48 min
